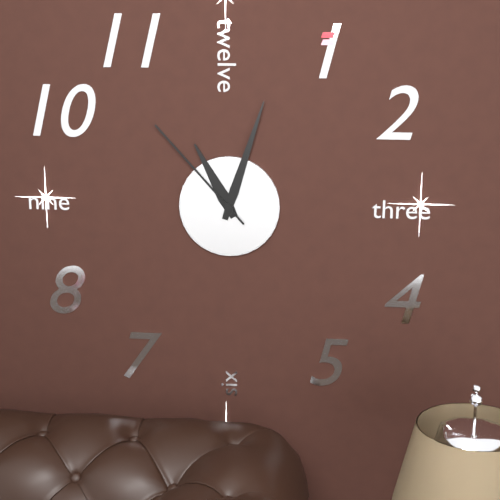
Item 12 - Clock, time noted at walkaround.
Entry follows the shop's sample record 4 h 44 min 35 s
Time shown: 11 h 03 min 53 s
